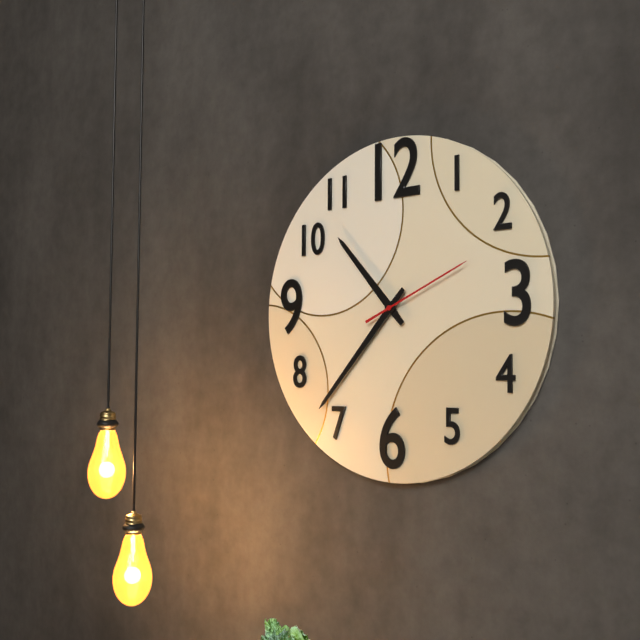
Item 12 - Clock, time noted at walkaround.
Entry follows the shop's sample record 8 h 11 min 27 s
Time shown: 10 h 37 min 11 s
